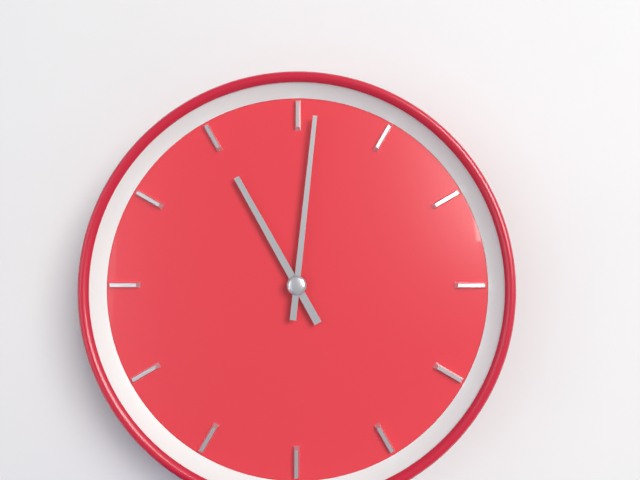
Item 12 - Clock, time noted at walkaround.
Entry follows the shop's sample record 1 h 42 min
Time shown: 11 h 01 min
